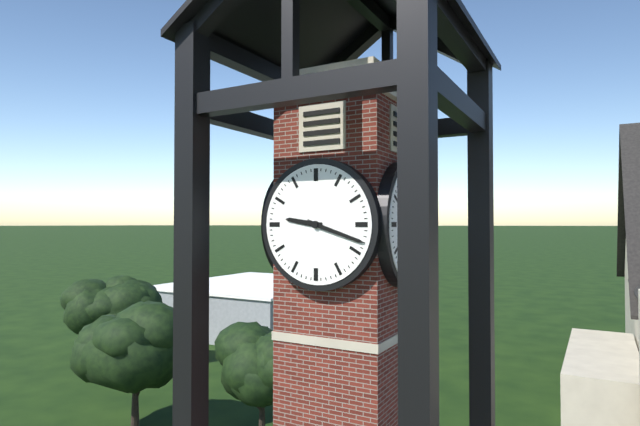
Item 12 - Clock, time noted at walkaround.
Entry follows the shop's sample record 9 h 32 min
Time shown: 9 h 18 min
